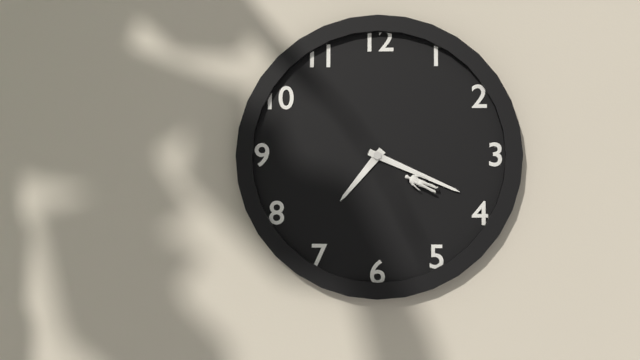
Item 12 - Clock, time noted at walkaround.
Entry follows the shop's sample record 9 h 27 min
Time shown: 7 h 19 min
